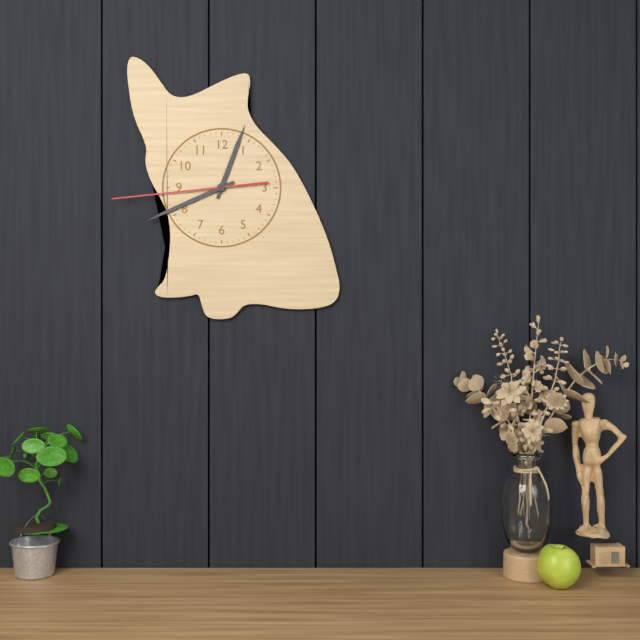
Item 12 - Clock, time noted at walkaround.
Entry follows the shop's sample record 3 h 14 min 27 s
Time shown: 12 h 41 min 44 s
